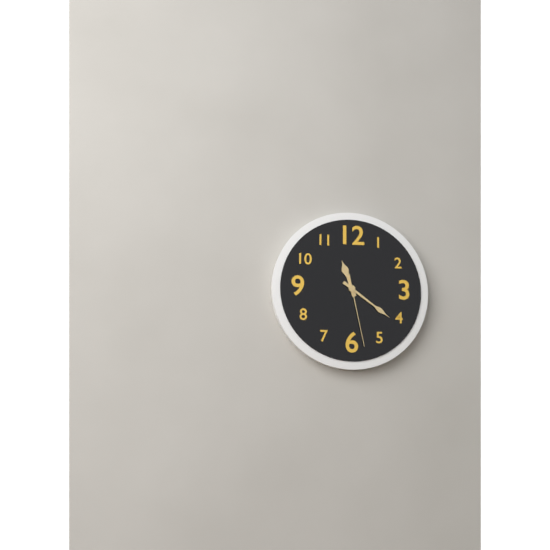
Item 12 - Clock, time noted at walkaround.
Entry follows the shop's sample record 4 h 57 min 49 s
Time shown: 11 h 21 min 28 s
